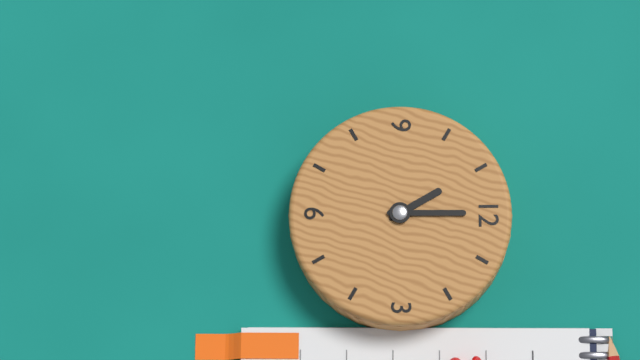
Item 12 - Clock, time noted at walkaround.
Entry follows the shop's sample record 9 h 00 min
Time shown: 11 h 00 min
